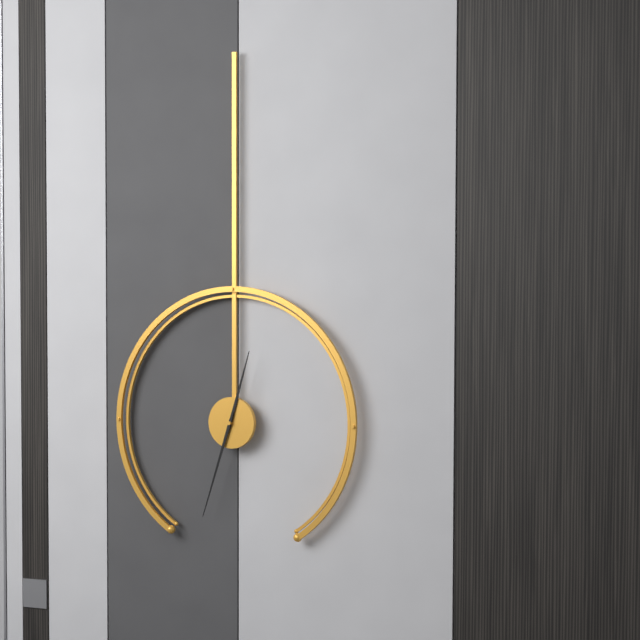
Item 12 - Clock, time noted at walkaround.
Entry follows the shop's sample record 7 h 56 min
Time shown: 12 h 33 min
